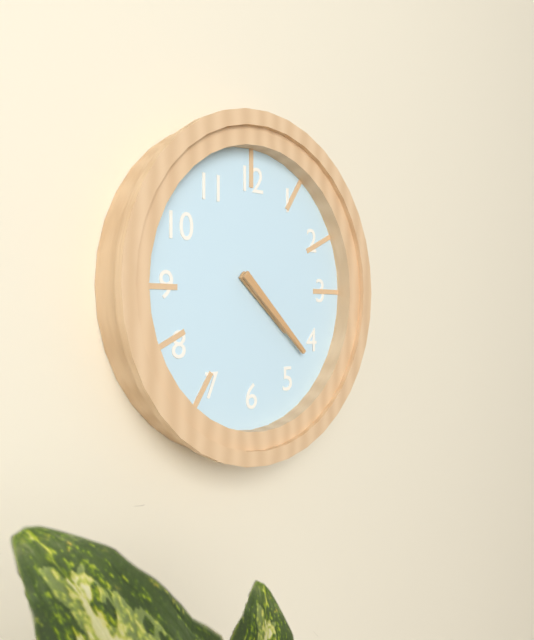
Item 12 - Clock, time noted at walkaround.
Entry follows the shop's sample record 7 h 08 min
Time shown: 4 h 22 min
